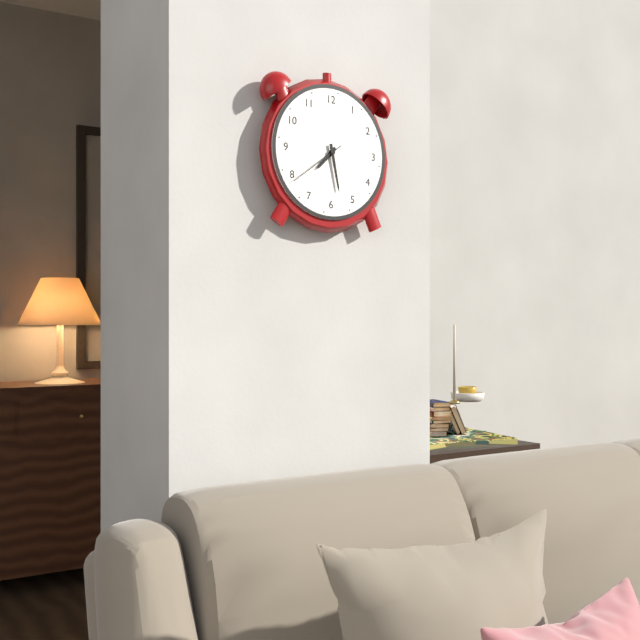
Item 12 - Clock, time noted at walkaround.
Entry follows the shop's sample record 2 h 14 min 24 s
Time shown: 7 h 28 min 39 s
